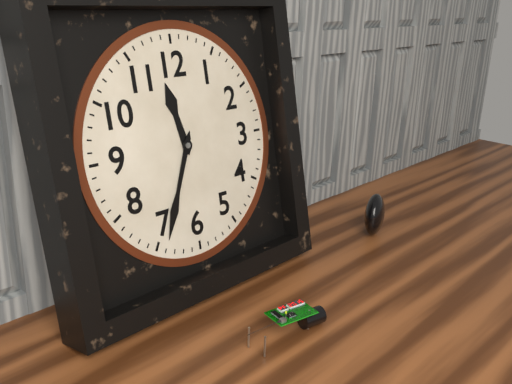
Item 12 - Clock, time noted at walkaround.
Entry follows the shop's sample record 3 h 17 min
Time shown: 11 h 34 min
